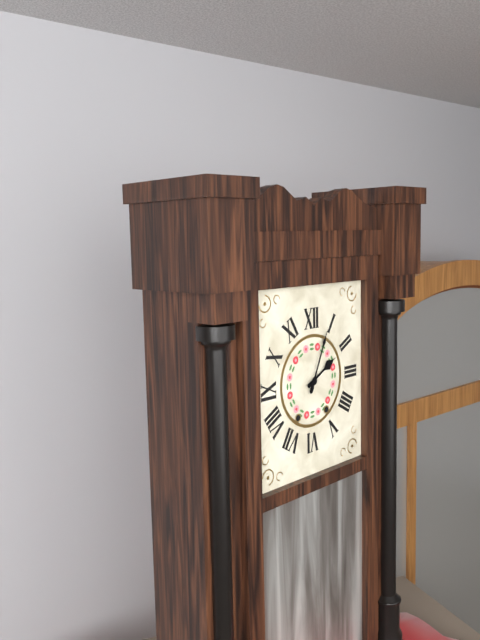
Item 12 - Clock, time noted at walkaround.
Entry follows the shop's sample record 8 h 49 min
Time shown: 2 h 04 min
